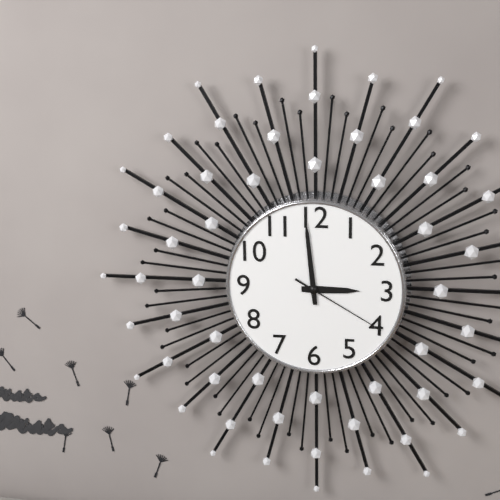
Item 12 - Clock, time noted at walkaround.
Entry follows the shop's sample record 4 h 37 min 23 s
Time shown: 2 h 59 min 20 s
